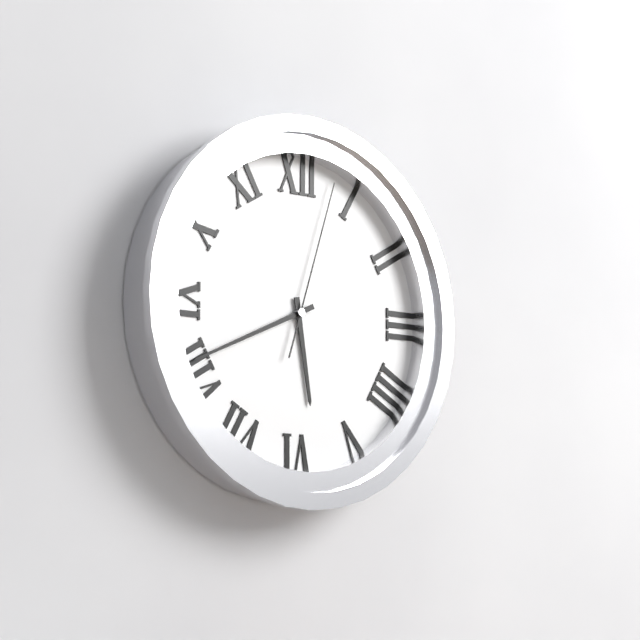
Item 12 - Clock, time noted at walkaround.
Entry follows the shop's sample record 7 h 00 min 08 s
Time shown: 5 h 41 min 03 s
